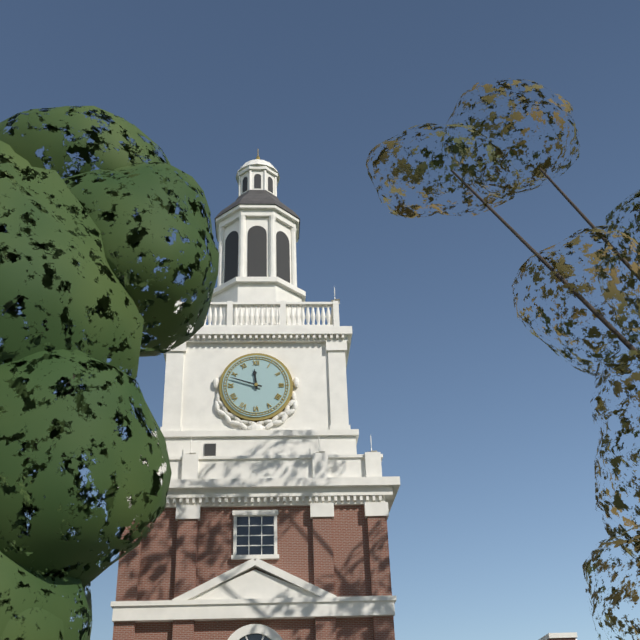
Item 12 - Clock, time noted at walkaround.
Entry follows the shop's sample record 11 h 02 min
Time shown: 11 h 48 min
